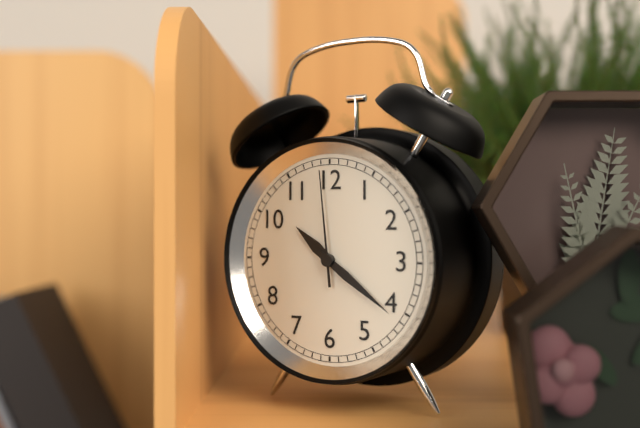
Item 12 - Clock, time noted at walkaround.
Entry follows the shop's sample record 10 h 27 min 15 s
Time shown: 10 h 21 min 59 s
